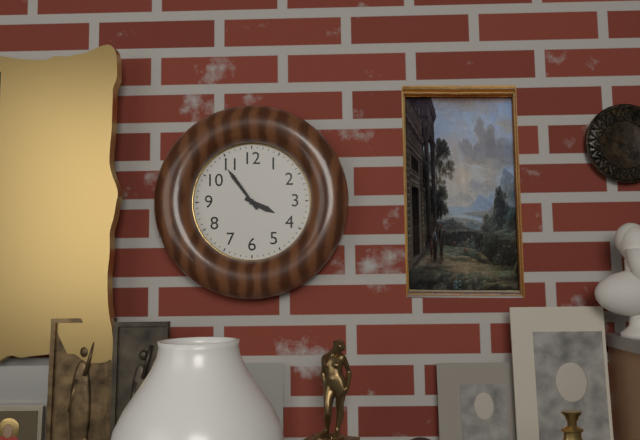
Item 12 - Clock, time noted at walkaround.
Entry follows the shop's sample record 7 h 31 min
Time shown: 3 h 54 min
